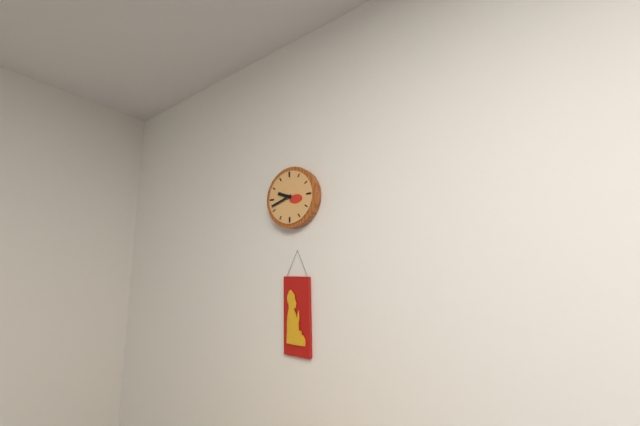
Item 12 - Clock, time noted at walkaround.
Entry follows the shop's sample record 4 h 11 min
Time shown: 9 h 42 min
